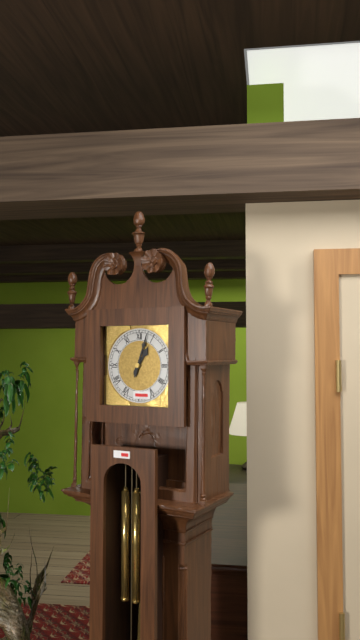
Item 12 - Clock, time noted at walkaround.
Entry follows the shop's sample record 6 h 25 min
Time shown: 1 h 03 min
